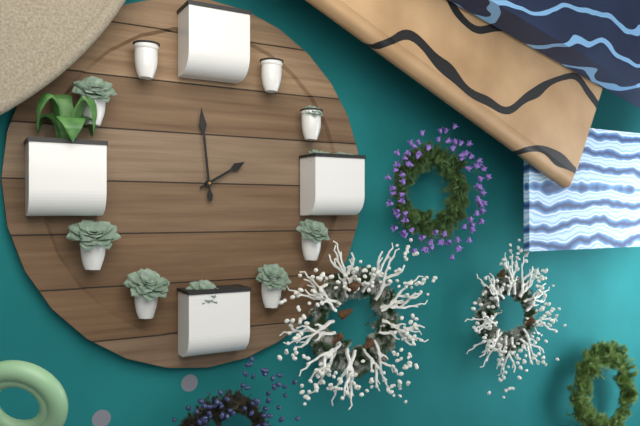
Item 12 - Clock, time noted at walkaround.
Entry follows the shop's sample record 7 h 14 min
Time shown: 1 h 59 min
